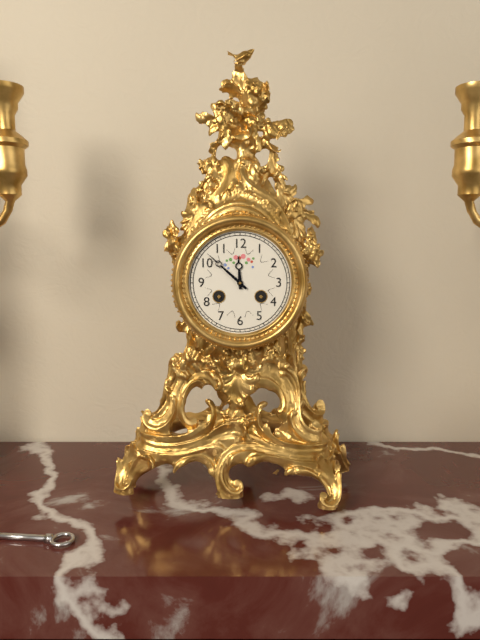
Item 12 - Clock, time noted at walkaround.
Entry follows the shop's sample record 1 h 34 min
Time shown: 11 h 52 min
